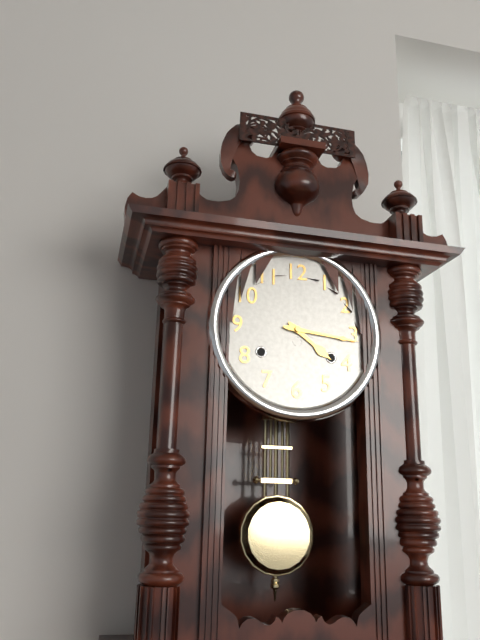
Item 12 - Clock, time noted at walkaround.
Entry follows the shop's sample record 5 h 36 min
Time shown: 4 h 16 min
